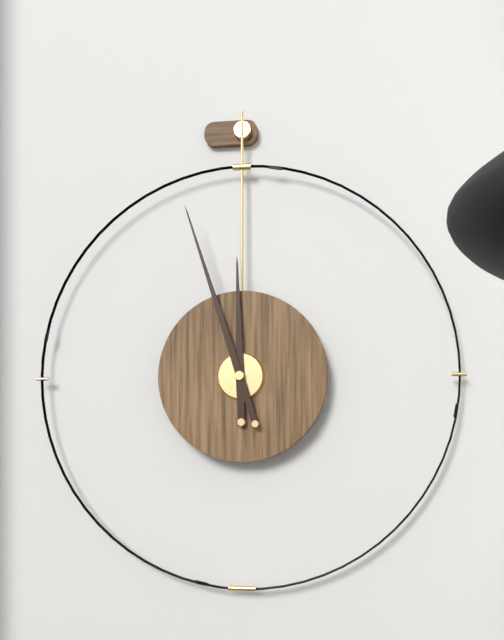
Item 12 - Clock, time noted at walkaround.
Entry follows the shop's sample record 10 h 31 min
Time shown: 11 h 57 min
